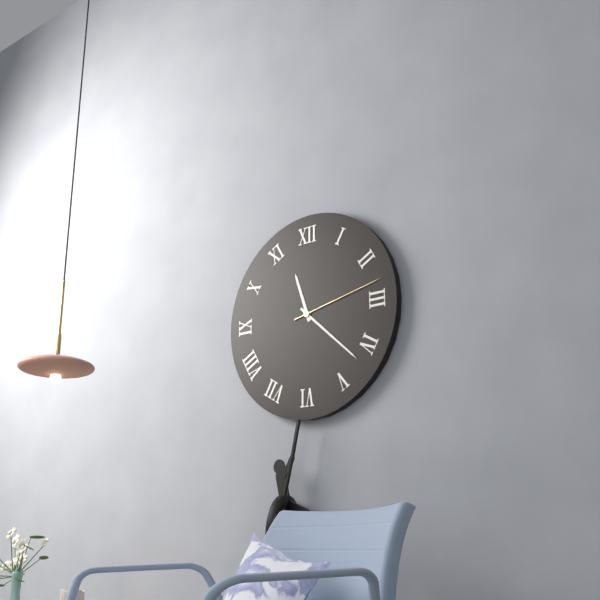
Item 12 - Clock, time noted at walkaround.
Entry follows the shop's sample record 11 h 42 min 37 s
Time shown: 11 h 22 min 13 s
